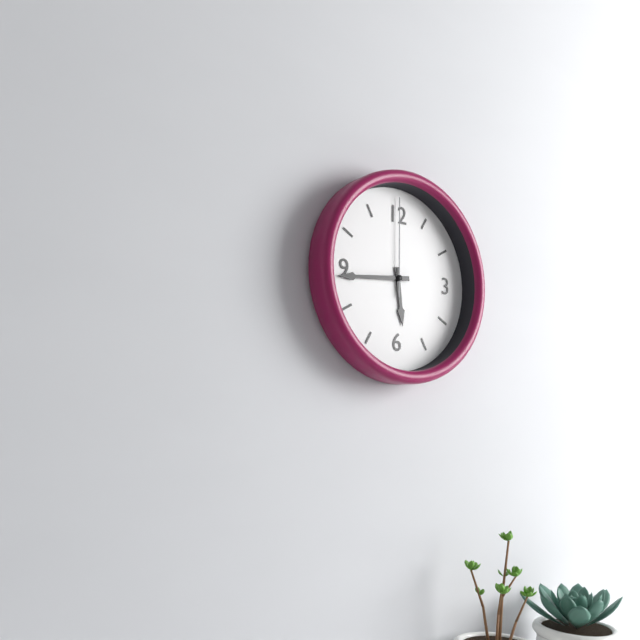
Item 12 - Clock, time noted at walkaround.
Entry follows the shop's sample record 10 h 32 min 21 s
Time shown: 5 h 44 min 00 s
